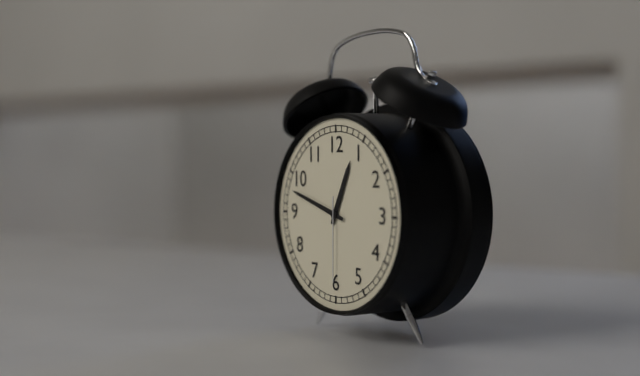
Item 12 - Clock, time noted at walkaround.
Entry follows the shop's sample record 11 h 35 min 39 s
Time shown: 12 h 48 min 30 s
